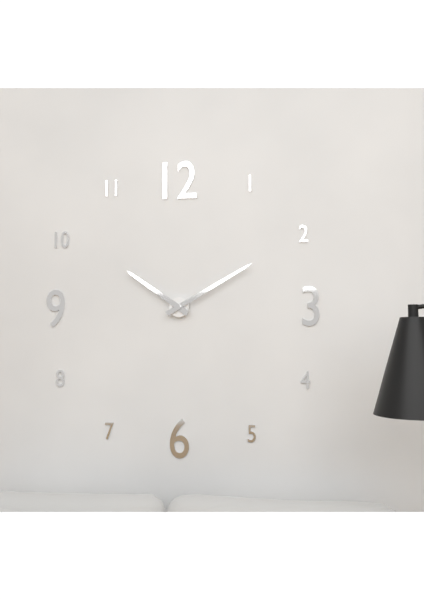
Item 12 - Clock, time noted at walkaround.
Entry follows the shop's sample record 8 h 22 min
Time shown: 10 h 10 min
